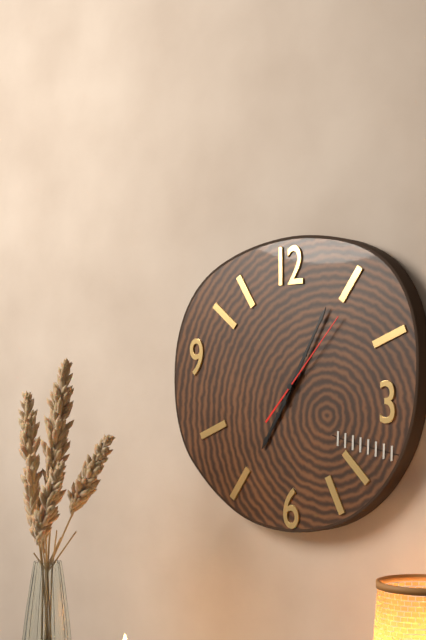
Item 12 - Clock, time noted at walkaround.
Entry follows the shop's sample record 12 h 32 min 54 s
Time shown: 7 h 05 min 07 s
